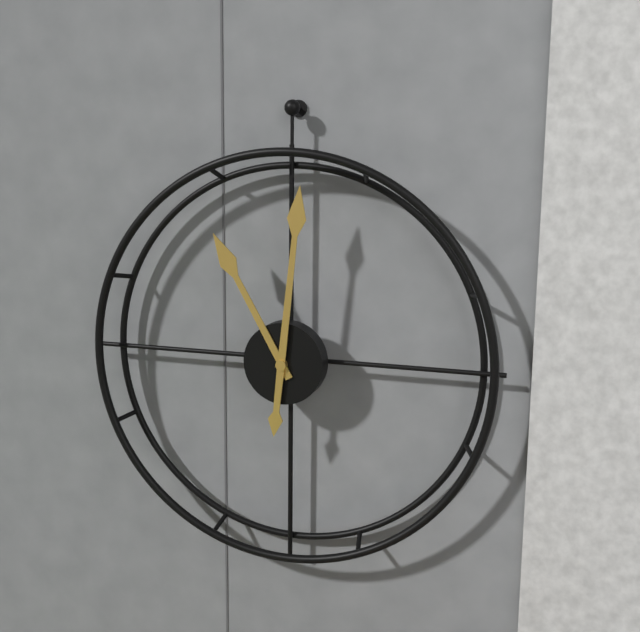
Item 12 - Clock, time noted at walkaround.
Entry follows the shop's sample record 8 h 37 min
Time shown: 11 h 01 min
